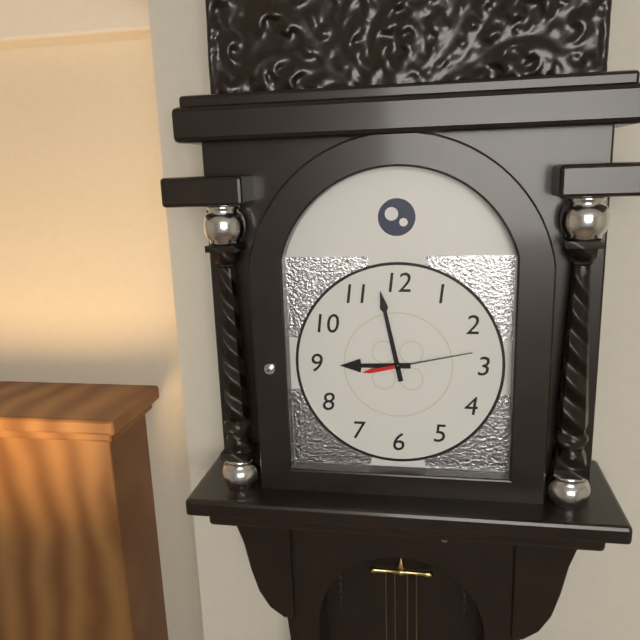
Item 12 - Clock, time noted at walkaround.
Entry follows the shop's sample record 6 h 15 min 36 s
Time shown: 8 h 58 min 13 s
